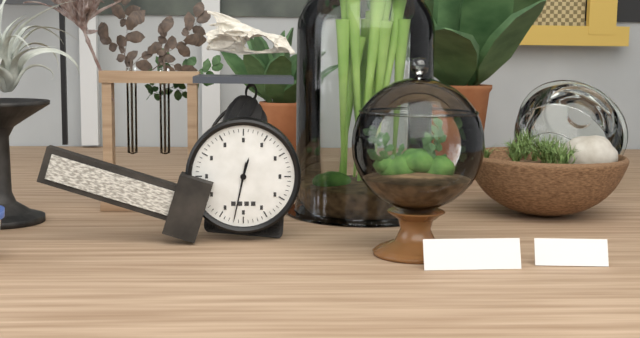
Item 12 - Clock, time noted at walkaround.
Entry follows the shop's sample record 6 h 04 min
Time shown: 12 h 32 min
